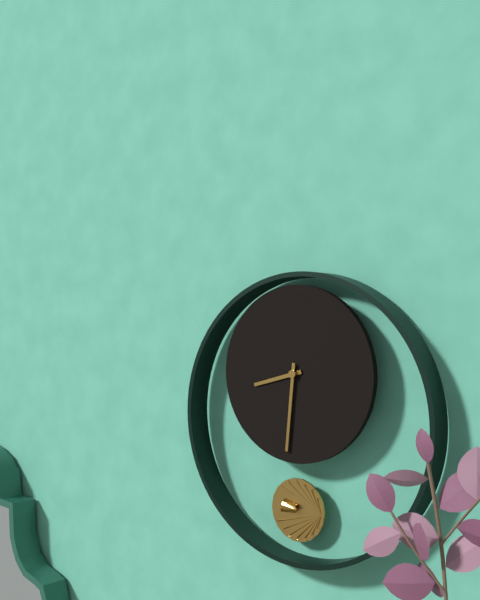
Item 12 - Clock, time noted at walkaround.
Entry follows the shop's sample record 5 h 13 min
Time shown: 8 h 31 min
